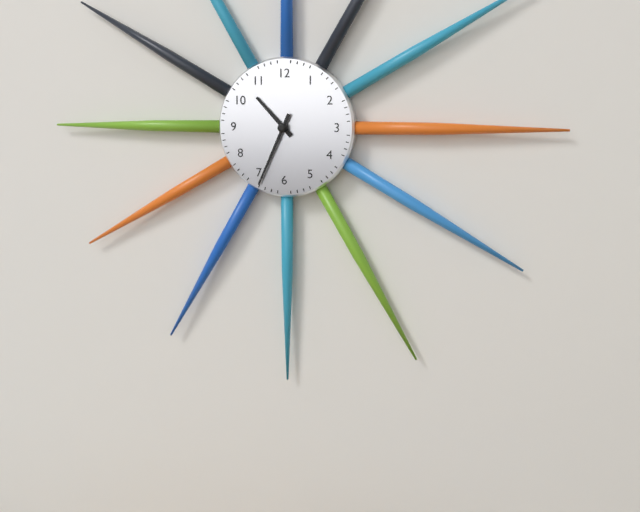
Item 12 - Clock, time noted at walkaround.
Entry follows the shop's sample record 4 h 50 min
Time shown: 10 h 34 min
